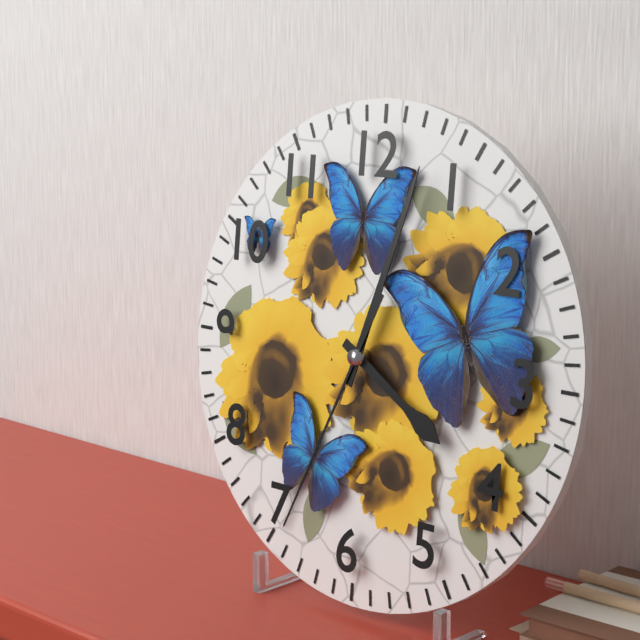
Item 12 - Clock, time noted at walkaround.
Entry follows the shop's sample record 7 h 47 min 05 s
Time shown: 4 h 03 min 34 s
